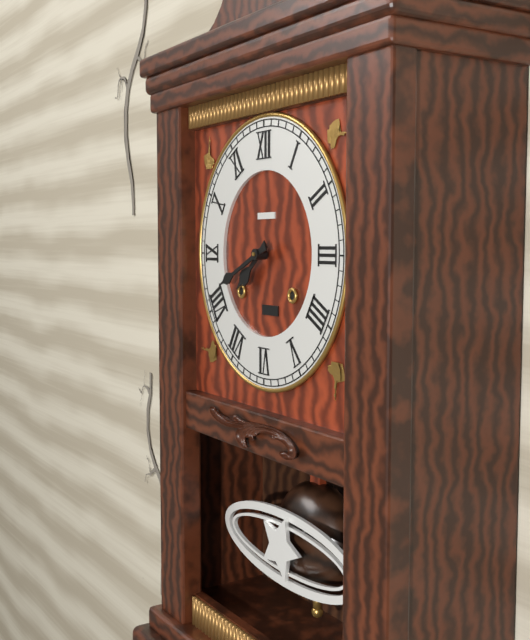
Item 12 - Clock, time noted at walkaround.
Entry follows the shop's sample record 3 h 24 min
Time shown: 7 h 41 min
